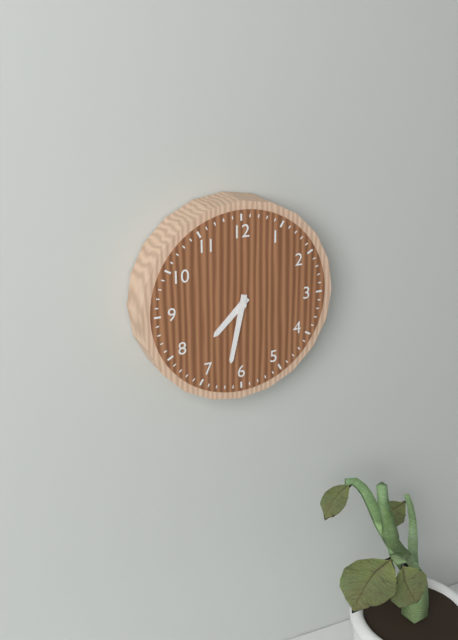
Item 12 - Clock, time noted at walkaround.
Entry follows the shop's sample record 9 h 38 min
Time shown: 7 h 32 min
